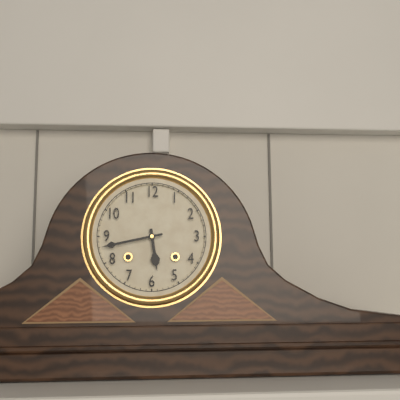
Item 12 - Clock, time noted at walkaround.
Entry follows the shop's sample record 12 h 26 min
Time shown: 5 h 43 min
